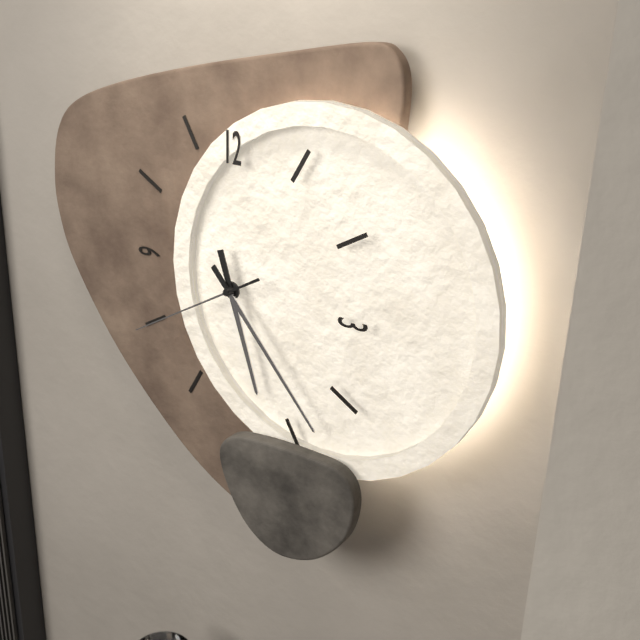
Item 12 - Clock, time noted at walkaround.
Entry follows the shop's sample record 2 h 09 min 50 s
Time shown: 5 h 23 min 40 s
